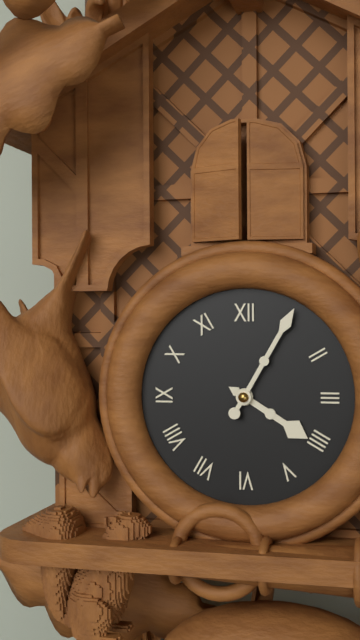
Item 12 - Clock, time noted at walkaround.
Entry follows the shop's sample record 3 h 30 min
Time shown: 4 h 05 min
